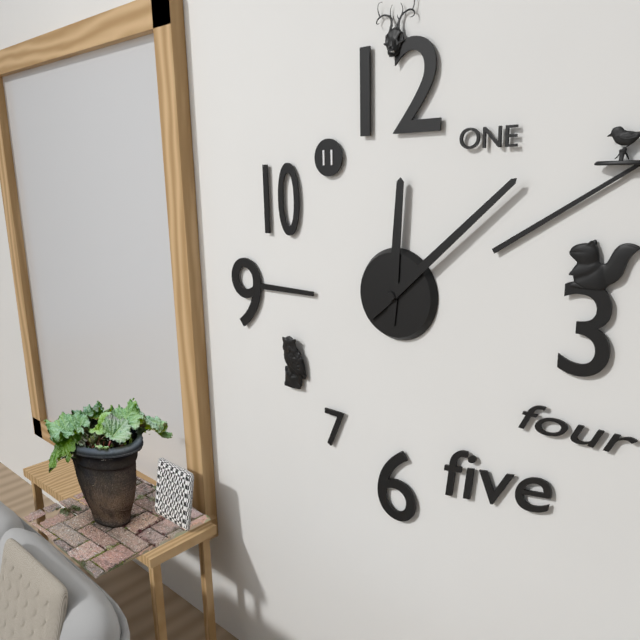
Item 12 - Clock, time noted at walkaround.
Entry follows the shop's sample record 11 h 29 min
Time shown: 12 h 08 min
